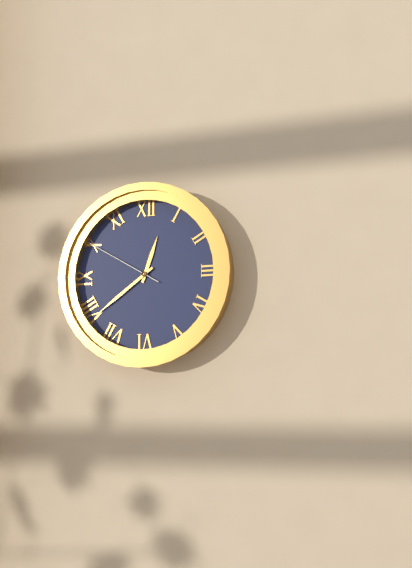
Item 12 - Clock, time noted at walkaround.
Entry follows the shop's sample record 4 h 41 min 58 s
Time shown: 12 h 39 min 50 s
